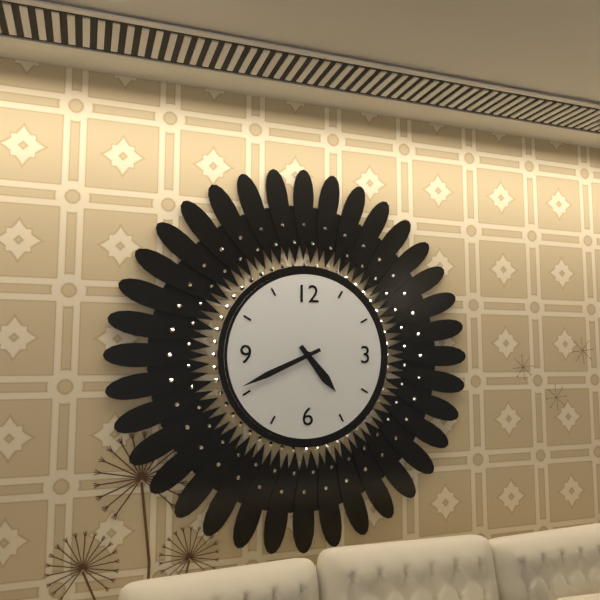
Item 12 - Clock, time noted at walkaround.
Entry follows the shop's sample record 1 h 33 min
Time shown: 4 h 41 min
